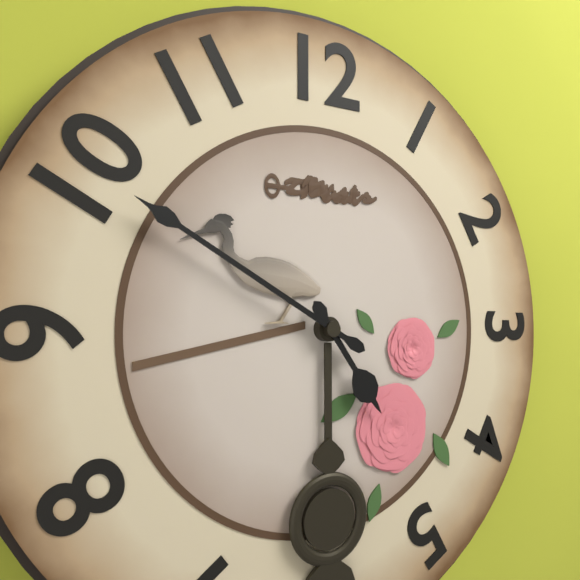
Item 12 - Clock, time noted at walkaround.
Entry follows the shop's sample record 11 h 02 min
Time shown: 4 h 50 min
